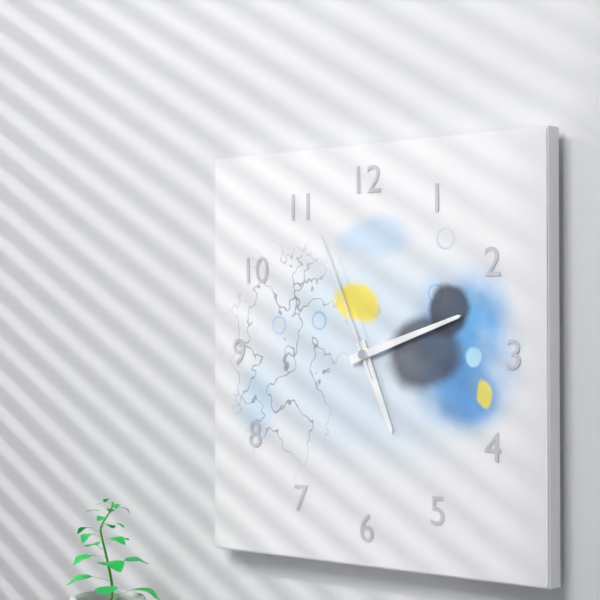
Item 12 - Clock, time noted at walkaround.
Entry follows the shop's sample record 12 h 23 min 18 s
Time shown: 5 h 12 min 56 s
